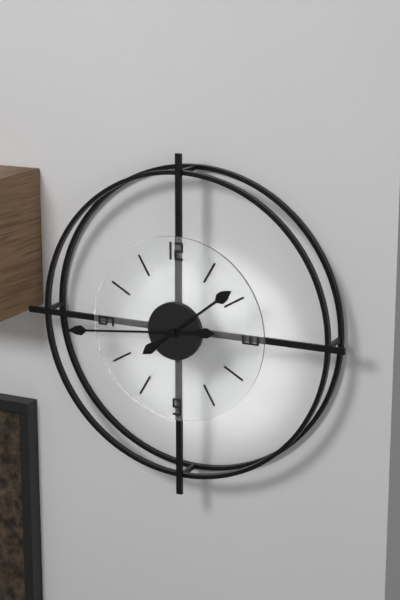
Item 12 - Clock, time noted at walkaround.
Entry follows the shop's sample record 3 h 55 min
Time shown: 1 h 44 min
